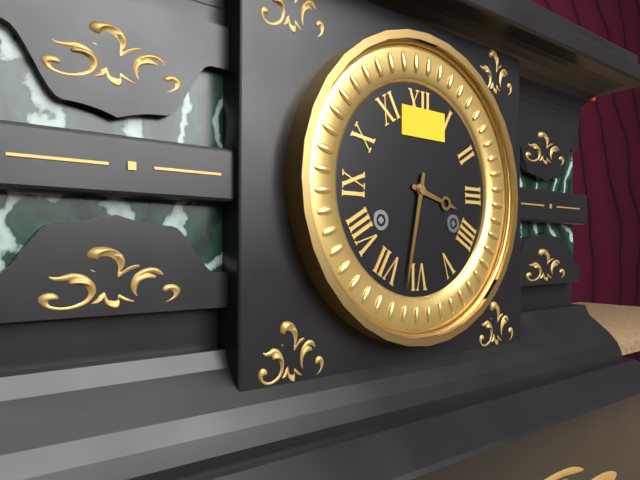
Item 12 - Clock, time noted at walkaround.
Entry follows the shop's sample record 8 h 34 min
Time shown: 3 h 32 min
